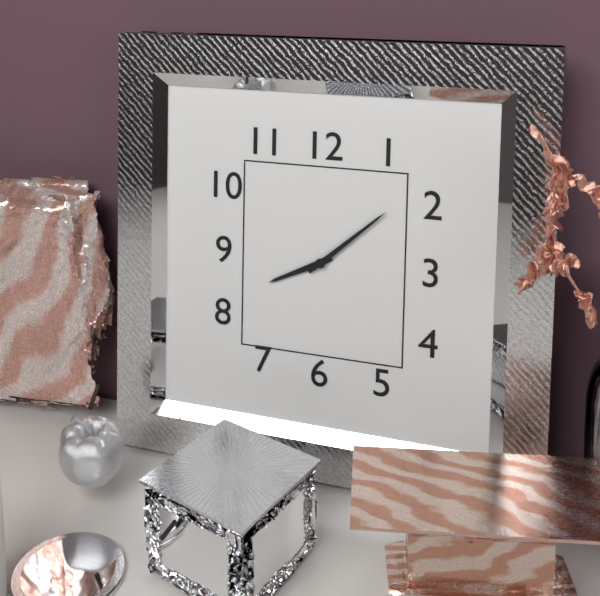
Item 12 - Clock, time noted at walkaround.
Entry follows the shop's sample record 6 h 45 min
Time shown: 8 h 08 min
